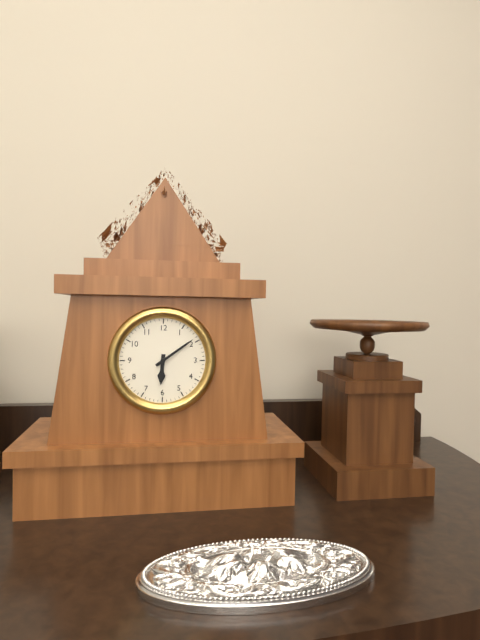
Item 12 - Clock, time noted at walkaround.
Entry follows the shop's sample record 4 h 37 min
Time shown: 6 h 09 min
